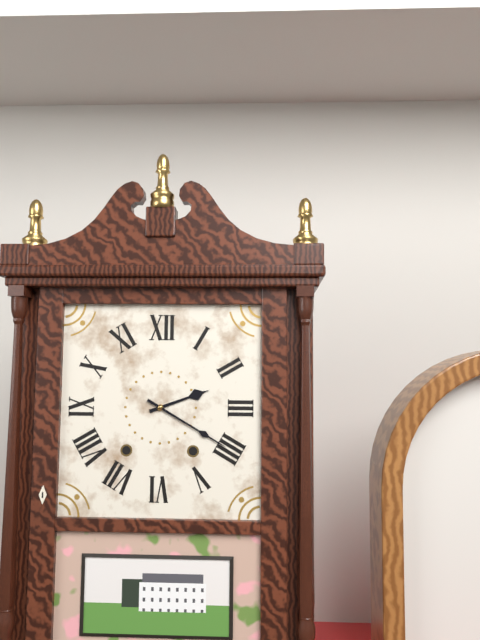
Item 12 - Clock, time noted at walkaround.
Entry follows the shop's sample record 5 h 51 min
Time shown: 2 h 20 min
